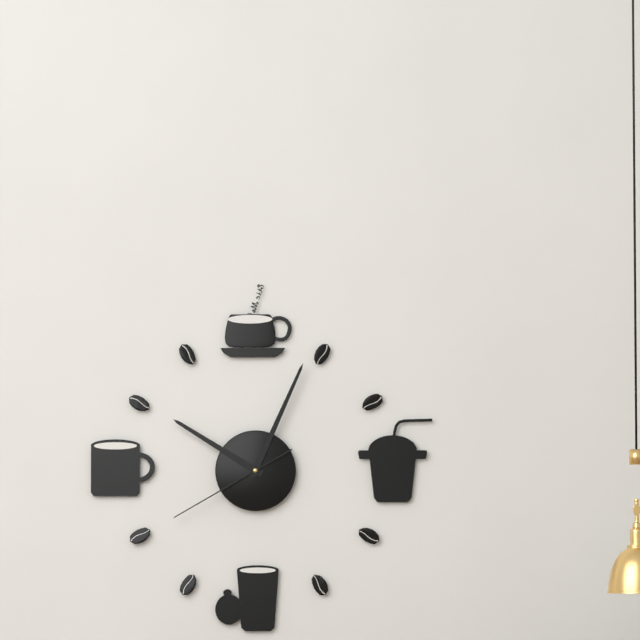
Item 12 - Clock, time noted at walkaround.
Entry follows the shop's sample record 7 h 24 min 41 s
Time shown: 10 h 04 min 40 s
